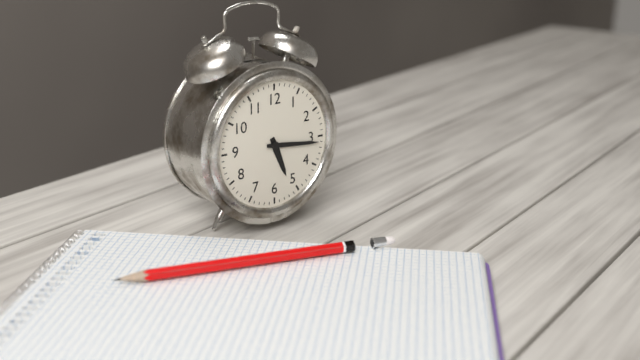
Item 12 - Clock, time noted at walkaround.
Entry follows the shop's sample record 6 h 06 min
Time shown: 5 h 16 min
